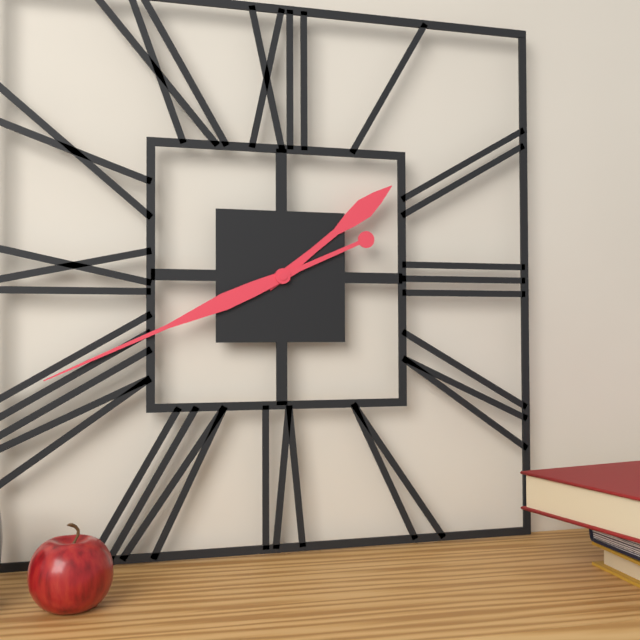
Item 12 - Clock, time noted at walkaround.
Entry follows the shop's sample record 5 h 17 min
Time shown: 1 h 41 min
